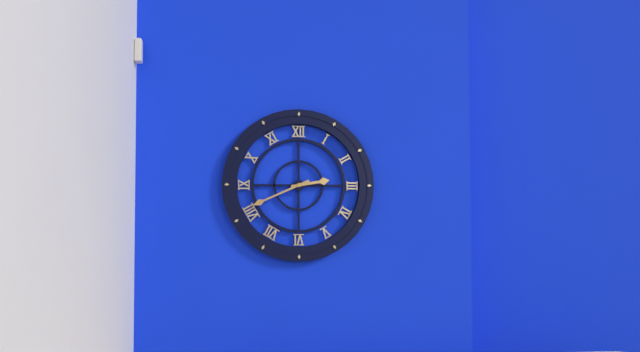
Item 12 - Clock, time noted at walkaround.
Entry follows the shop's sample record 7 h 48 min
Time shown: 2 h 41 min
